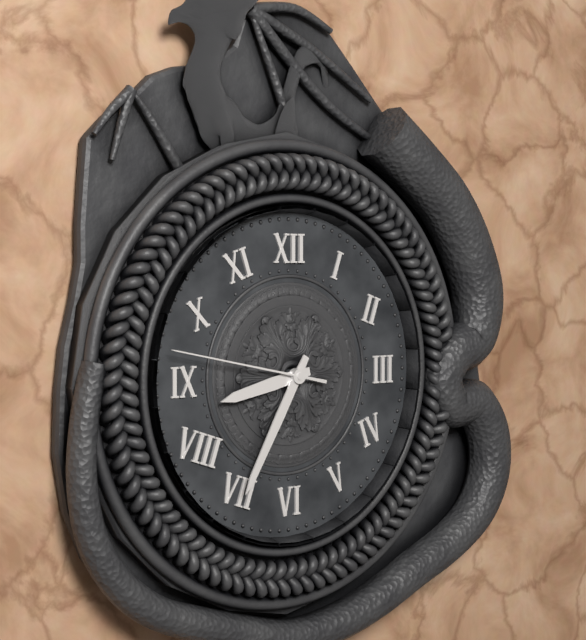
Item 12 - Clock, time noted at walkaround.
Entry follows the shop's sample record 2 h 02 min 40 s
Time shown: 8 h 35 min 47 s
